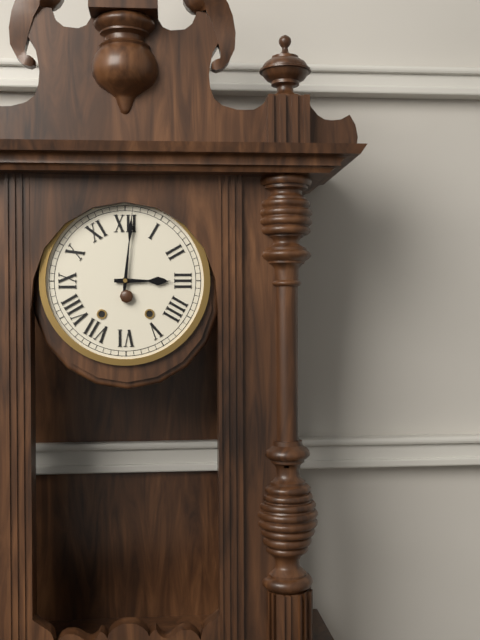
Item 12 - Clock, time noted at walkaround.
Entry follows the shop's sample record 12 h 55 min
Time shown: 3 h 01 min
